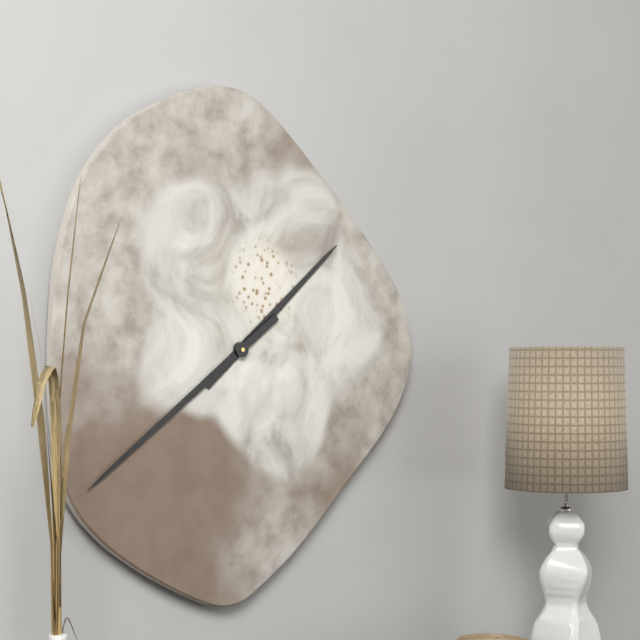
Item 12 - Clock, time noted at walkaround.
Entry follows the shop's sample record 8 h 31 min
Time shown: 1 h 39 min
